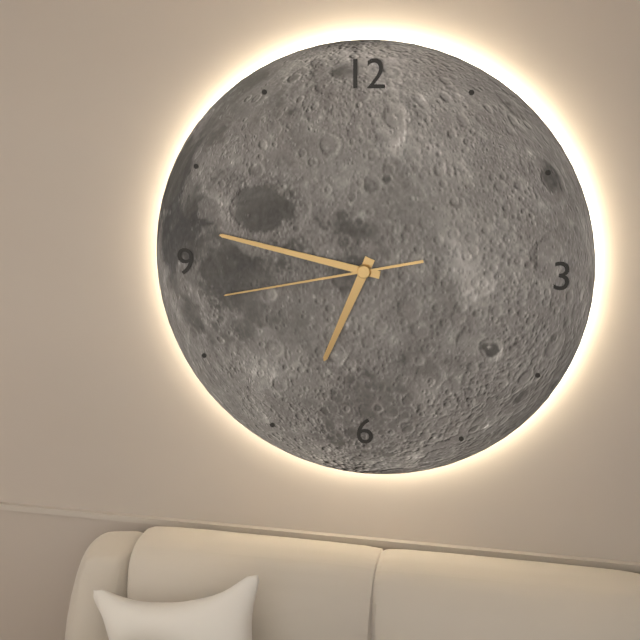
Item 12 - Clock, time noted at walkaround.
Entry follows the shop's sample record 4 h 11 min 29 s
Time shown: 6 h 47 min 43 s
